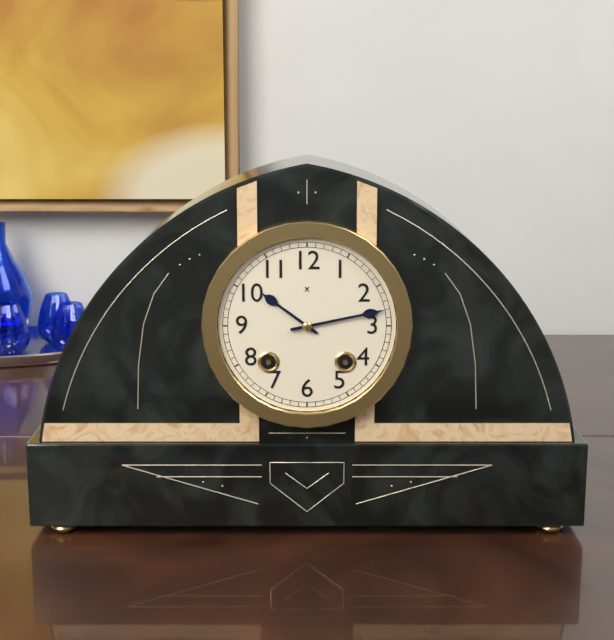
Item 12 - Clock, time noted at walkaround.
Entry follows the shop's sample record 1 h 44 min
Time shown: 10 h 13 min
